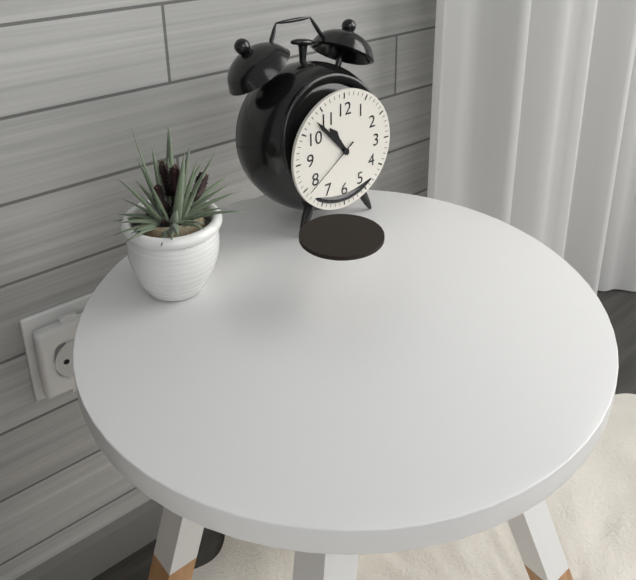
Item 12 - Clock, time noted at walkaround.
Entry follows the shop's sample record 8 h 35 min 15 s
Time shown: 10 h 53 min 39 s
